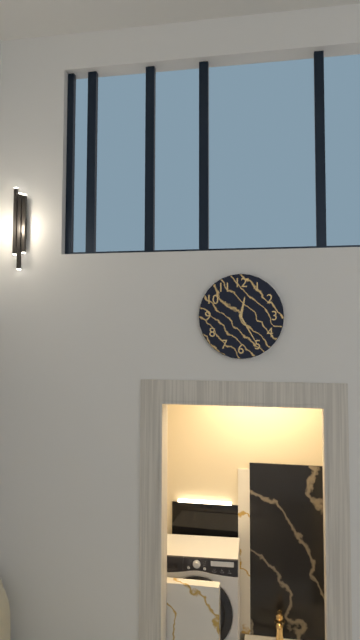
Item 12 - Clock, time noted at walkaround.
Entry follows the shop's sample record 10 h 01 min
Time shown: 12 h 25 min
